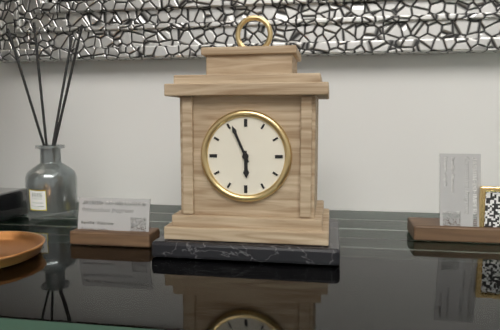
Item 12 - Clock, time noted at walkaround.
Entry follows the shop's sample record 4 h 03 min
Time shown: 5 h 56 min
